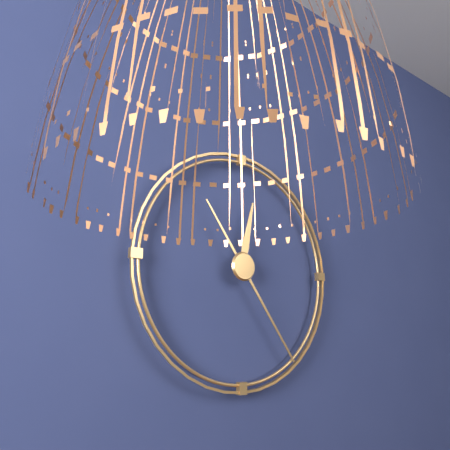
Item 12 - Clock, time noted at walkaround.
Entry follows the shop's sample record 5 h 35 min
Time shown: 12 h 24 min
